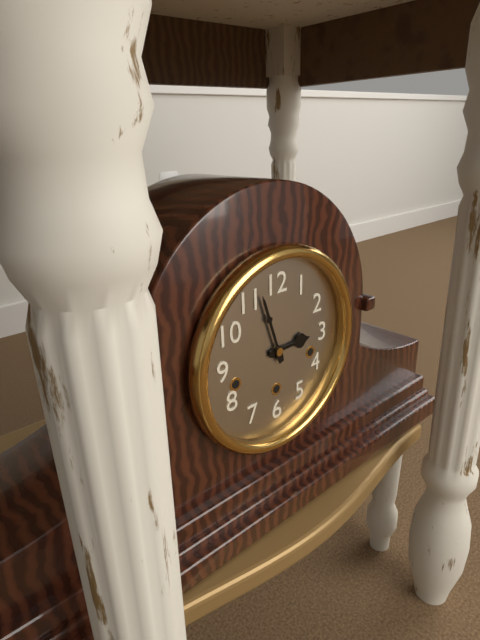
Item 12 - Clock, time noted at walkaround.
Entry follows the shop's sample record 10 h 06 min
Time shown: 2 h 57 min
